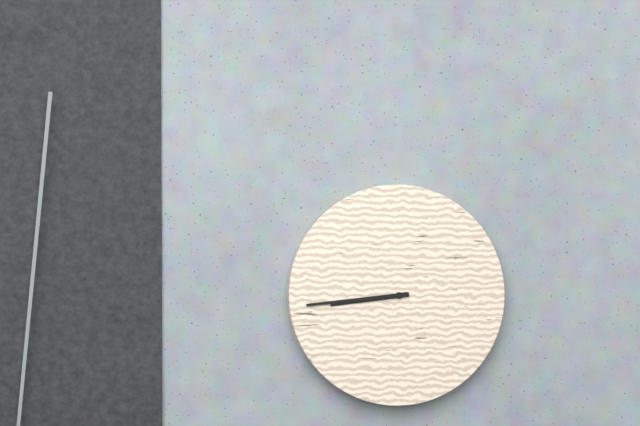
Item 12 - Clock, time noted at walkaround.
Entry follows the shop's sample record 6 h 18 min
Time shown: 8 h 44 min
